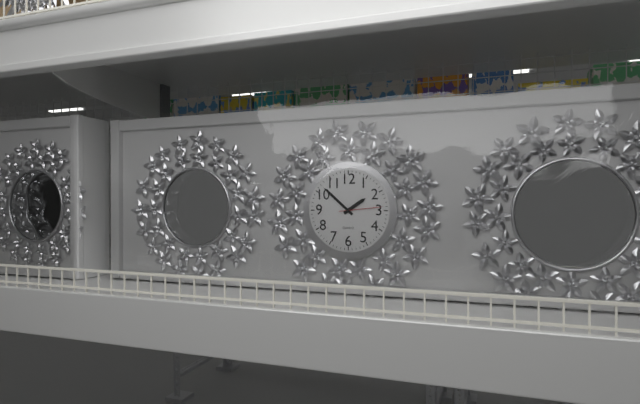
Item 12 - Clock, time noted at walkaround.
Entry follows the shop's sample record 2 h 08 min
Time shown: 1 h 52 min
